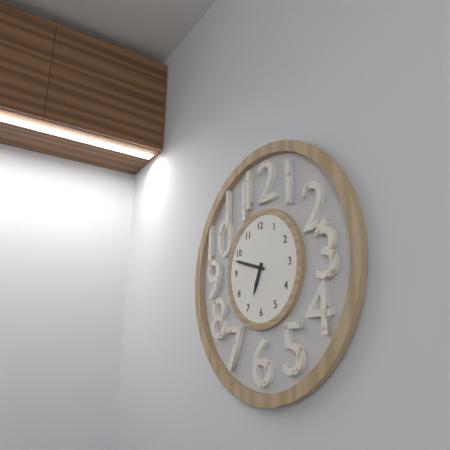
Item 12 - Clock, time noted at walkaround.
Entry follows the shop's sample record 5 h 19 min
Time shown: 6 h 48 min
